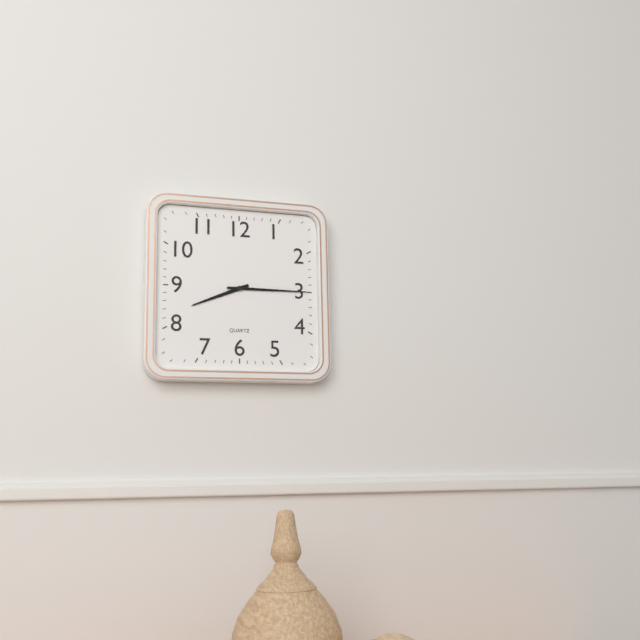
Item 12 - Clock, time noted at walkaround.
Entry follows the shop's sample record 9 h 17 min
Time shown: 8 h 15 min
